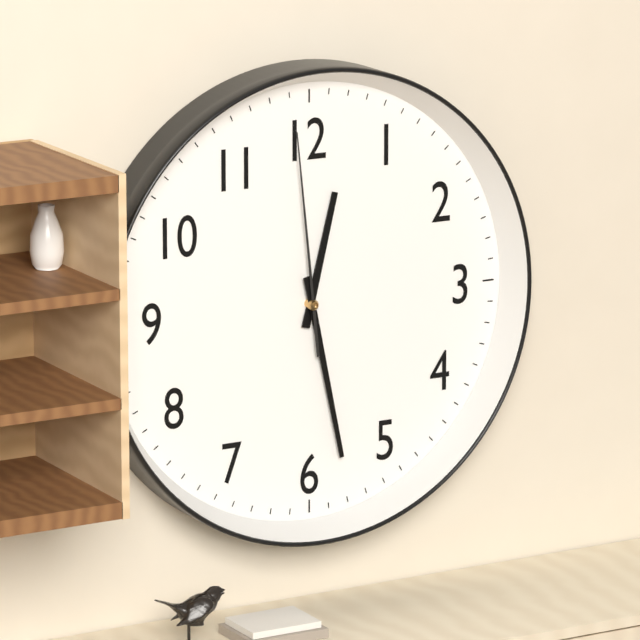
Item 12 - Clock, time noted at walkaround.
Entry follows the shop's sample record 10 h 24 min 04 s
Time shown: 12 h 28 min 59 s
